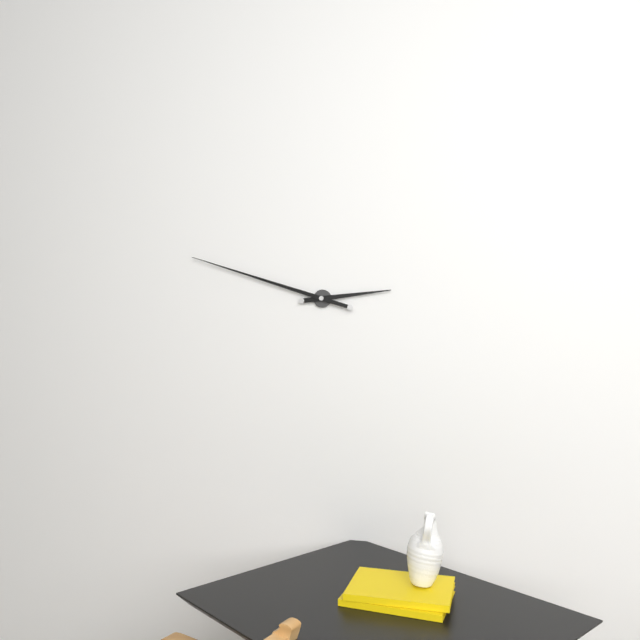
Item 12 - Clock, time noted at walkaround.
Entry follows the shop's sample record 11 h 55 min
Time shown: 2 h 48 min
